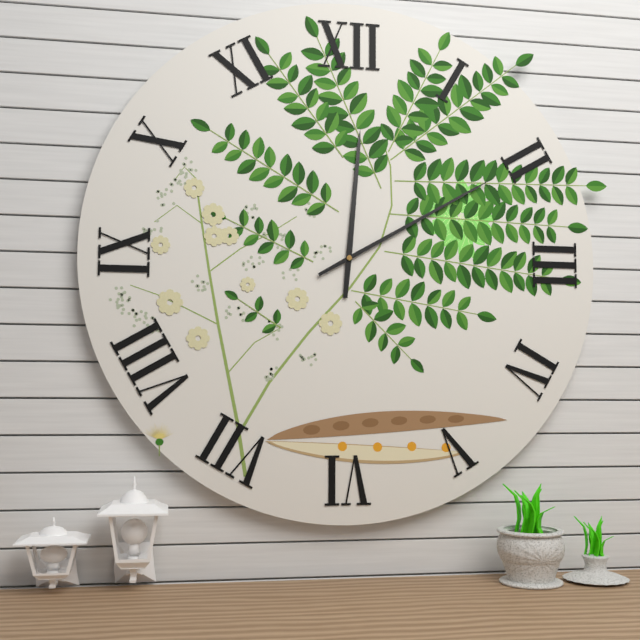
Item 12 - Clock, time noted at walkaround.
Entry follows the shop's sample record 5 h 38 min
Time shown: 12 h 10 min
